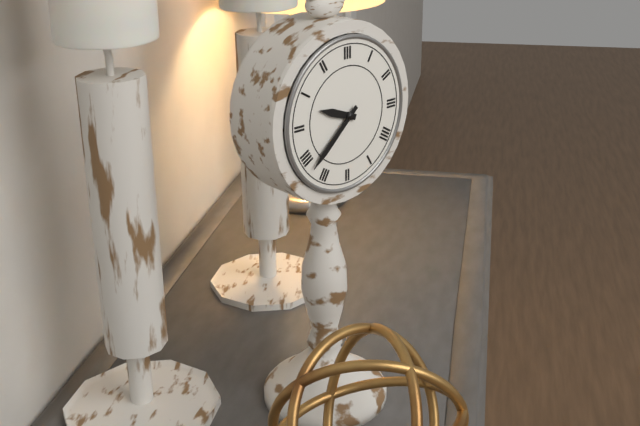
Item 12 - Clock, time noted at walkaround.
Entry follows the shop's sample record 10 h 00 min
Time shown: 9 h 38 min
